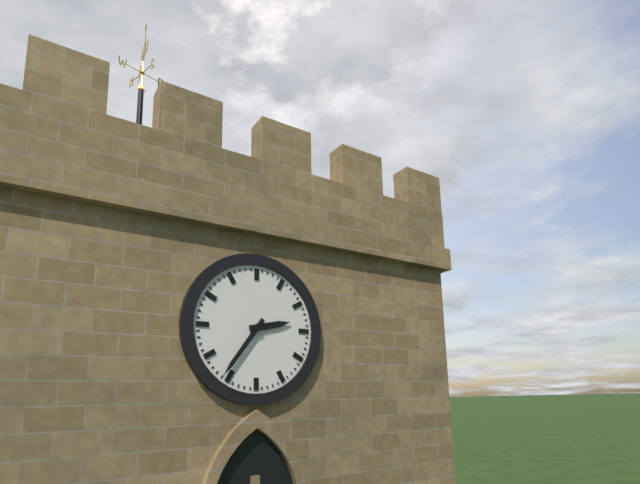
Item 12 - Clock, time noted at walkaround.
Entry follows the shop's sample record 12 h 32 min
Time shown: 2 h 36 min
